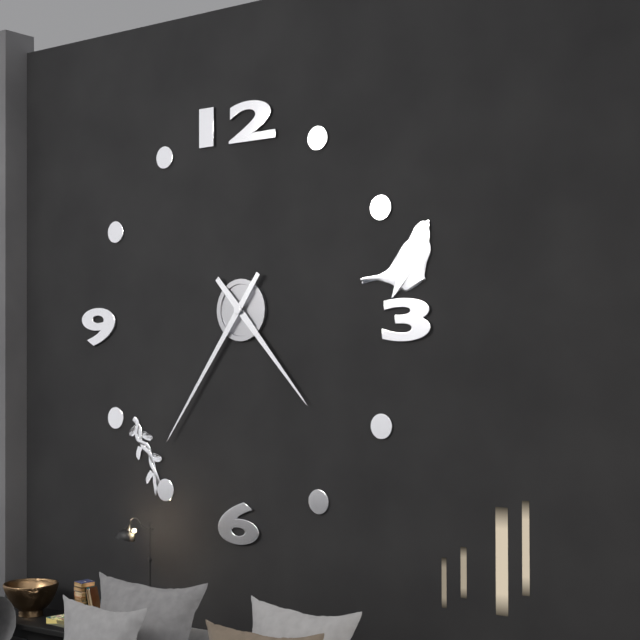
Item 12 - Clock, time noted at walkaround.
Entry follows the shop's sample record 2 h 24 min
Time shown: 4 h 36 min
